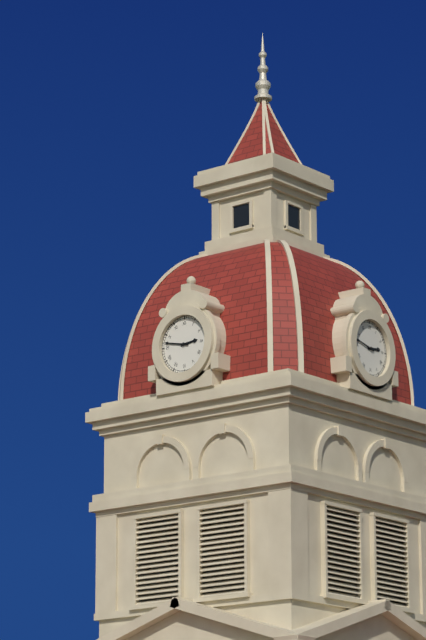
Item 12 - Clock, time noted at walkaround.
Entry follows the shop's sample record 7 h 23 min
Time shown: 2 h 47 min
